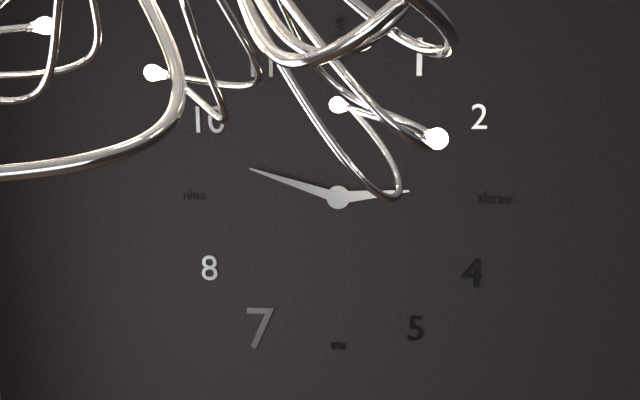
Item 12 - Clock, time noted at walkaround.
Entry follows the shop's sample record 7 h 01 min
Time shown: 2 h 48 min
